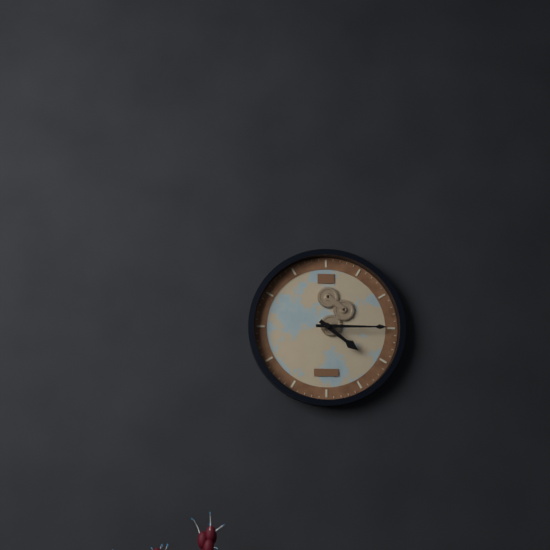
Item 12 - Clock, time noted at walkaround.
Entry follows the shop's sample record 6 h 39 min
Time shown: 4 h 15 min
